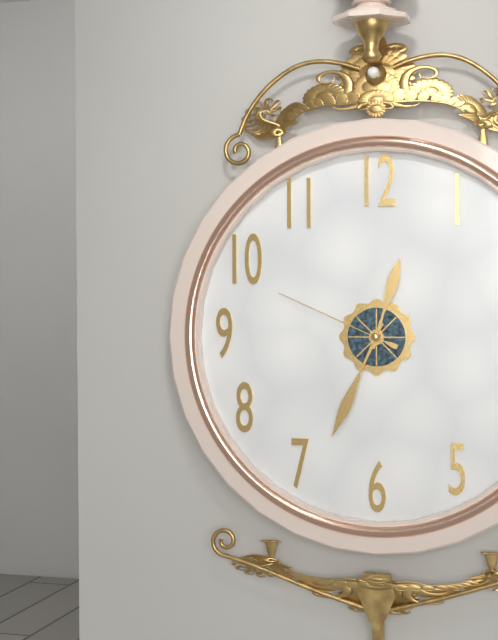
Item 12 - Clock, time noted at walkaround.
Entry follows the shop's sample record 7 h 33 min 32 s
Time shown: 12 h 34 min 49 s
